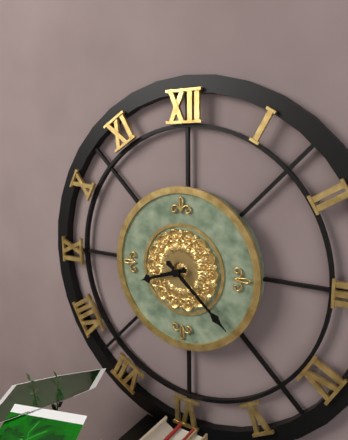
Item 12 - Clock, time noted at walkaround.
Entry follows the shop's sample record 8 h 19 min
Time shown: 8 h 22 min
